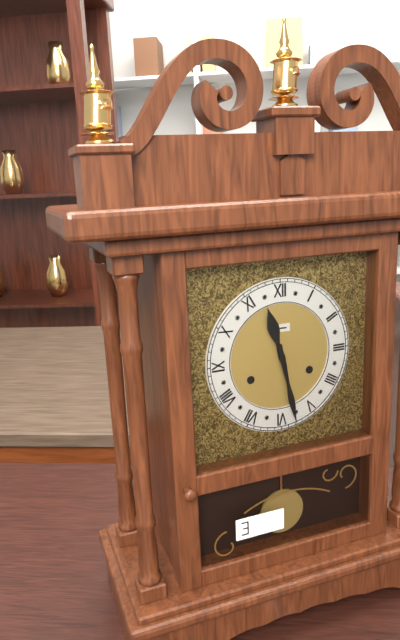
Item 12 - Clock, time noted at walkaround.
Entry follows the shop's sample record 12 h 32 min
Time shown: 11 h 28 min
